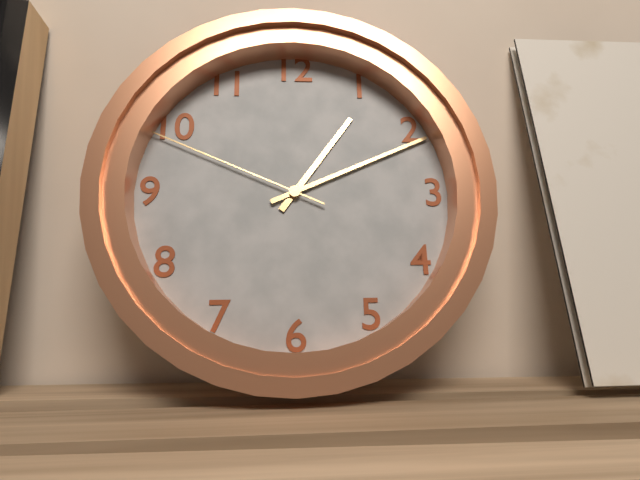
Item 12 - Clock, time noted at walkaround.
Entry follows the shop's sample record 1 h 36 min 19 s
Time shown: 1 h 11 min 49 s
